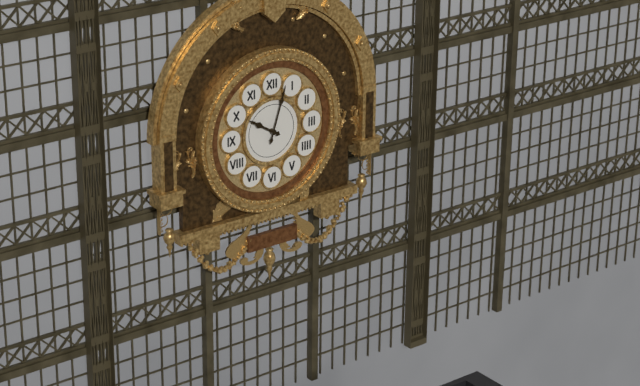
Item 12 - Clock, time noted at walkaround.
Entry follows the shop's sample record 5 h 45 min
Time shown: 10 h 03 min
